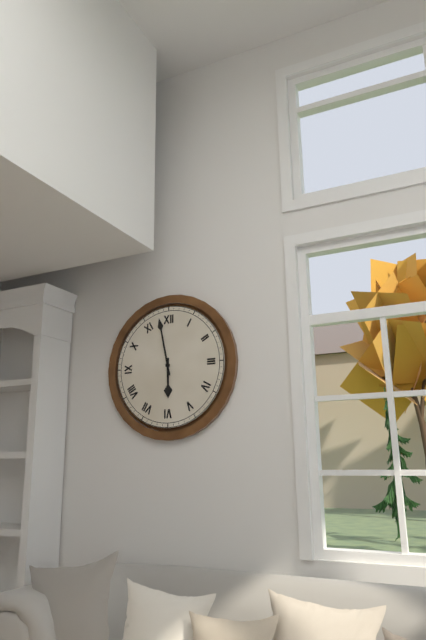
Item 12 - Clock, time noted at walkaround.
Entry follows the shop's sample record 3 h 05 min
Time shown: 5 h 58 min
